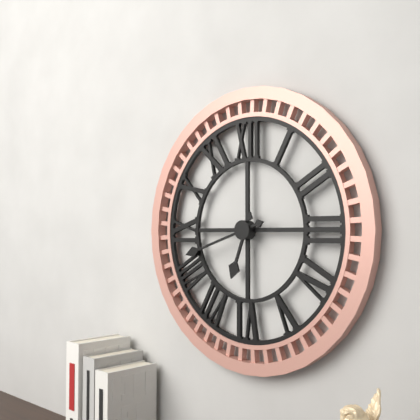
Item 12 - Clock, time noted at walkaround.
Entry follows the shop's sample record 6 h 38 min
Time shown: 6 h 42 min
